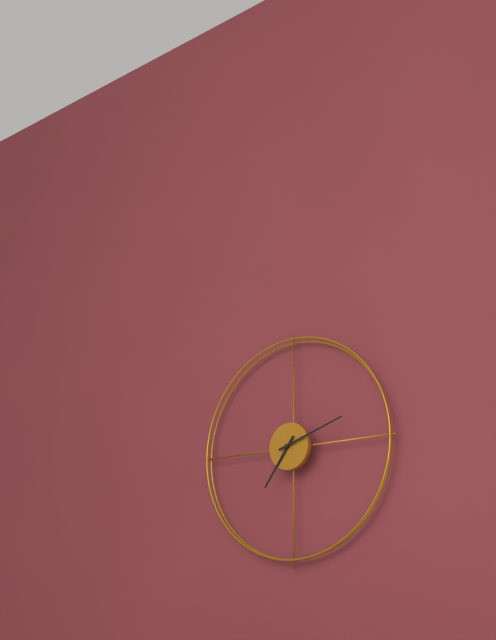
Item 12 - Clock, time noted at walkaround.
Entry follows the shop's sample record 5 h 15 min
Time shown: 7 h 12 min
